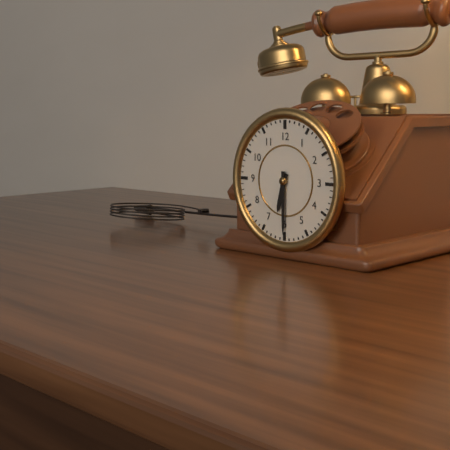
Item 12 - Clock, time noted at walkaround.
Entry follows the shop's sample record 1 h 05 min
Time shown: 6 h 30 min
